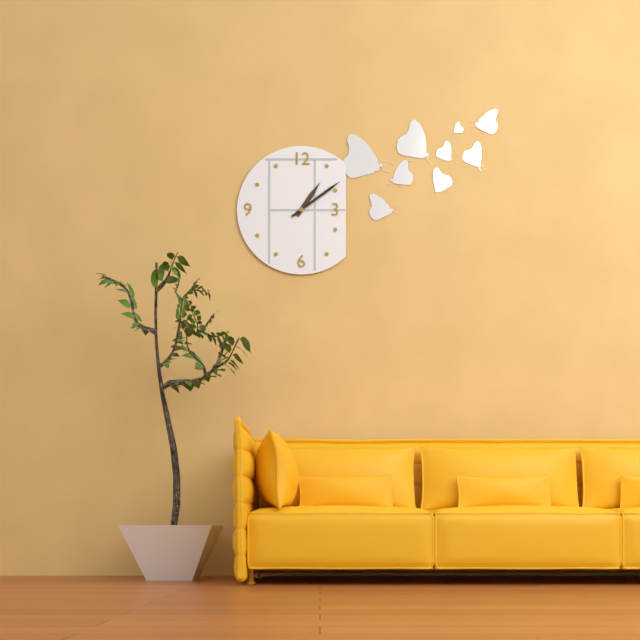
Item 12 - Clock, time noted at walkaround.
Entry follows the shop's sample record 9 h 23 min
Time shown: 1 h 09 min
